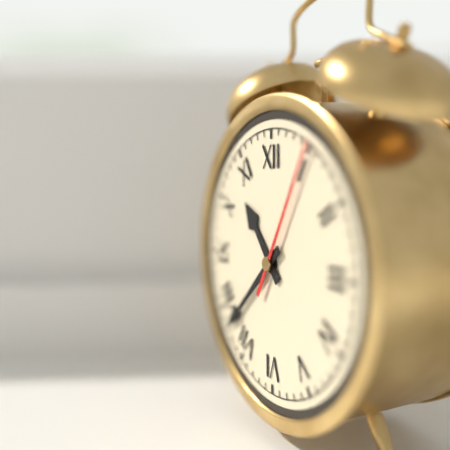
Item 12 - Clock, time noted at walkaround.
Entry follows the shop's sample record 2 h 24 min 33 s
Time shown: 10 h 38 min 05 s
